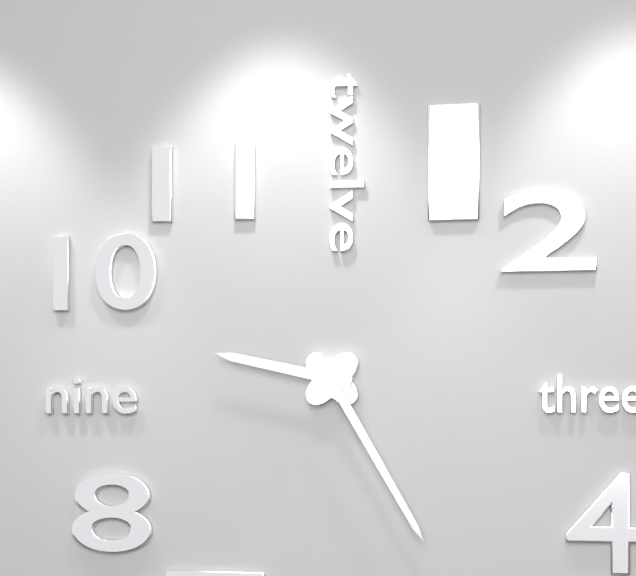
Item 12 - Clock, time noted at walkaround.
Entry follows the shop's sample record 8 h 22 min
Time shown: 9 h 25 min
